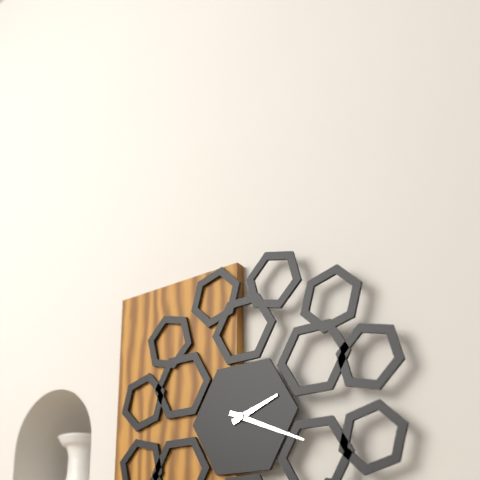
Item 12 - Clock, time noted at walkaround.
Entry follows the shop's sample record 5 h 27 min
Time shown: 2 h 19 min
